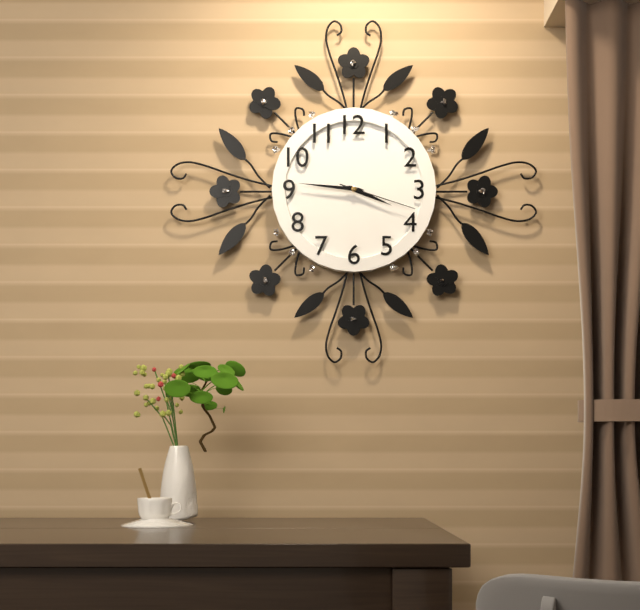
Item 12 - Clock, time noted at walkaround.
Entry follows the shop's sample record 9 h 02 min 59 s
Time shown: 3 h 46 min 18 s
